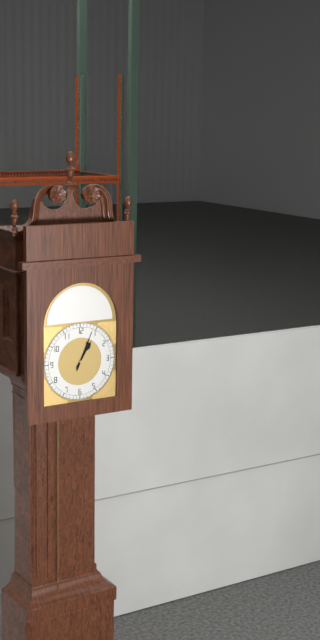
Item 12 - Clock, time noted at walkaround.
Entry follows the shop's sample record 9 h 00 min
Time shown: 1 h 04 min
